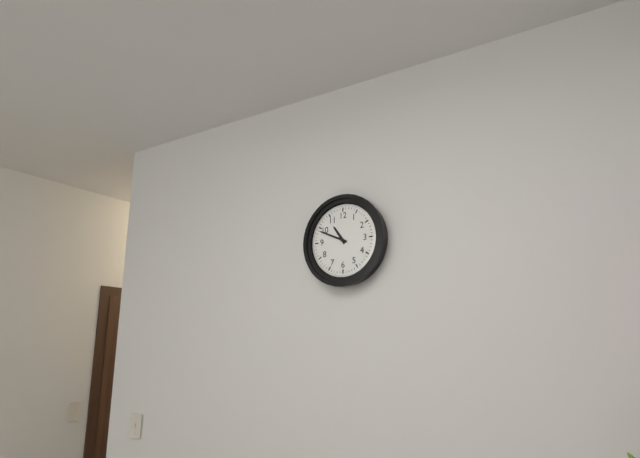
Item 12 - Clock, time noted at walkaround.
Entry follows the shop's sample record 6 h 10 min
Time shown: 10 h 49 min
